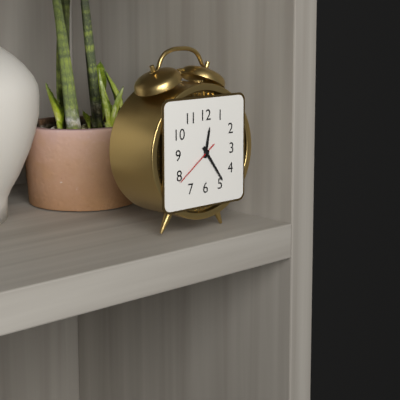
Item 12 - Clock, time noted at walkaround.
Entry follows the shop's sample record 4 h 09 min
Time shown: 12 h 24 min
